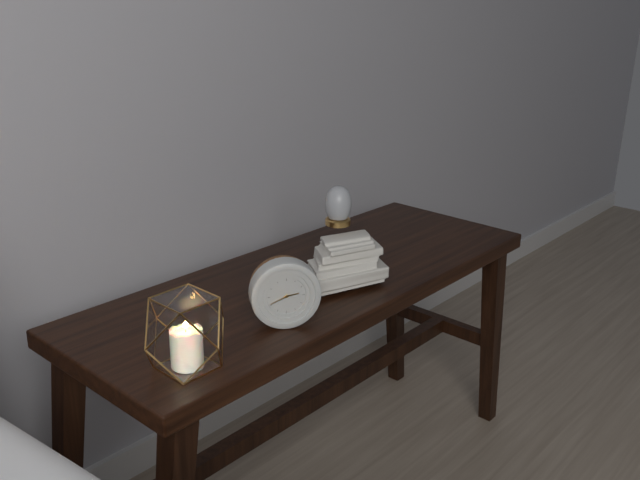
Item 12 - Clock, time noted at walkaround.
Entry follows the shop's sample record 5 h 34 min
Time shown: 2 h 41 min
